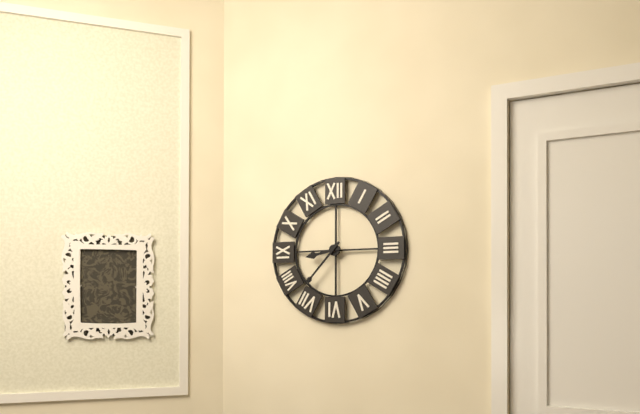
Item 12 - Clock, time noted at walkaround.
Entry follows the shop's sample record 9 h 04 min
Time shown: 8 h 37 min
